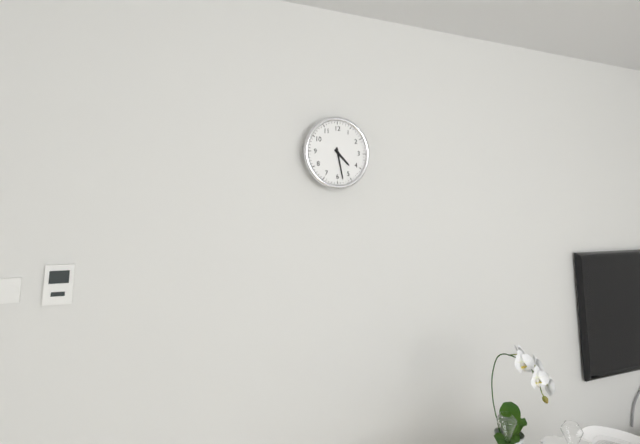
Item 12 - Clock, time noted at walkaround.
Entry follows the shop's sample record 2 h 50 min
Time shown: 4 h 28 min
